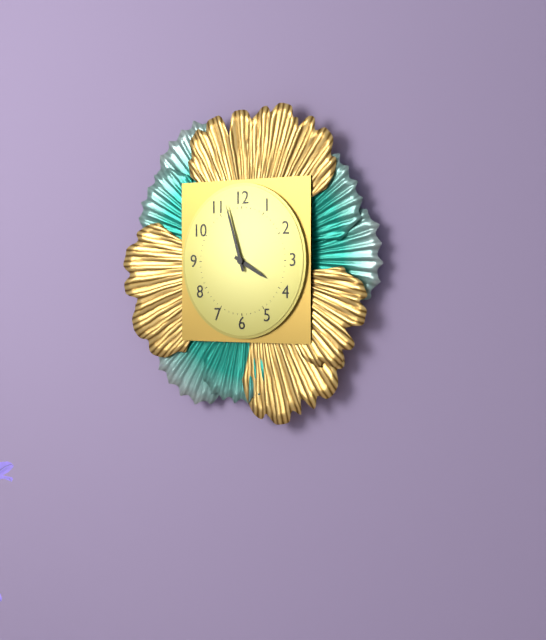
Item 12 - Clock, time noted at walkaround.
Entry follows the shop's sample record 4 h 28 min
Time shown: 3 h 57 min
